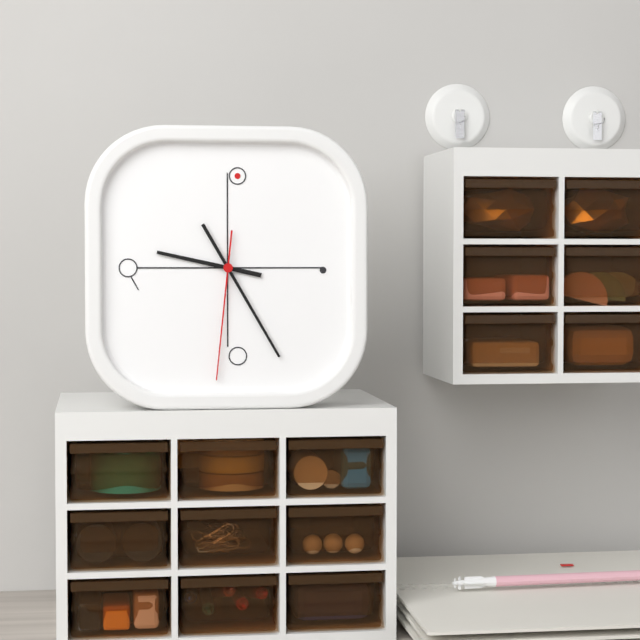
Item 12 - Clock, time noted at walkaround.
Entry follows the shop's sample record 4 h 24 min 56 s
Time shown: 9 h 25 min 31 s
